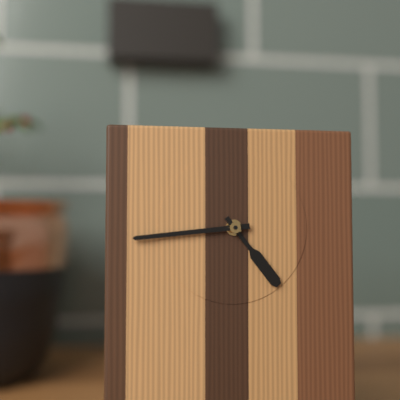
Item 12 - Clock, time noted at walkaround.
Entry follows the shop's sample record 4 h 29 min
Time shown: 4 h 44 min
